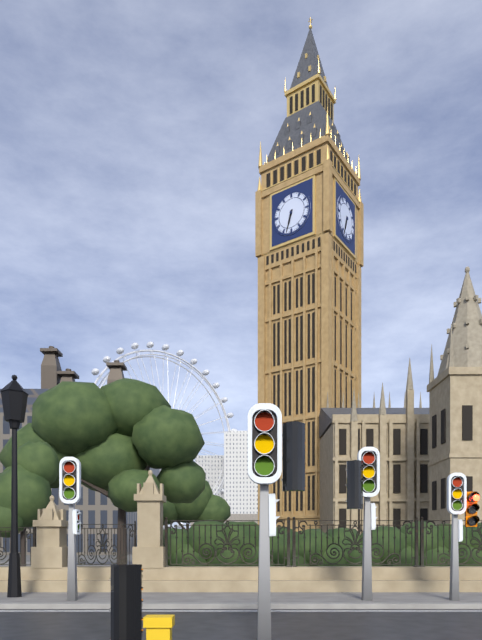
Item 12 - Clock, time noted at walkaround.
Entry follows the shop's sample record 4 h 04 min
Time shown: 6 h 33 min
